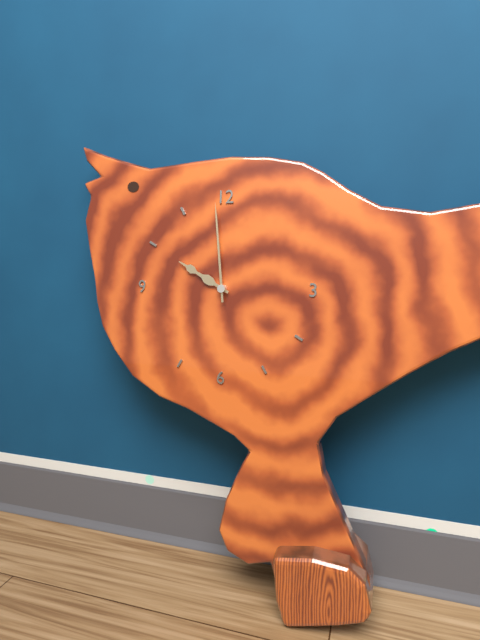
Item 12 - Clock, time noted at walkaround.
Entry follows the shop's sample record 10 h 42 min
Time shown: 9 h 59 min
